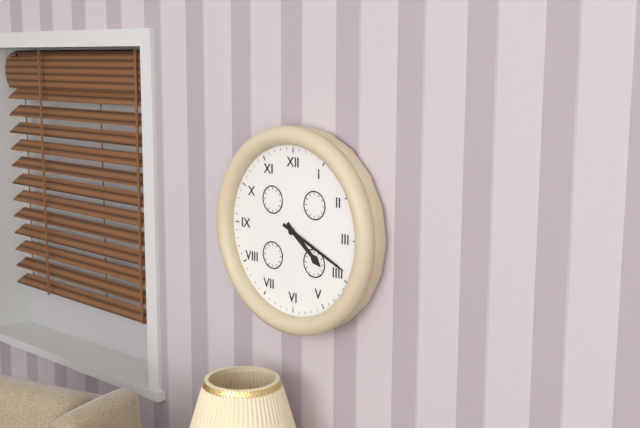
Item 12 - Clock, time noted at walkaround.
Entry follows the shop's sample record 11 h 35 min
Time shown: 4 h 19 min
